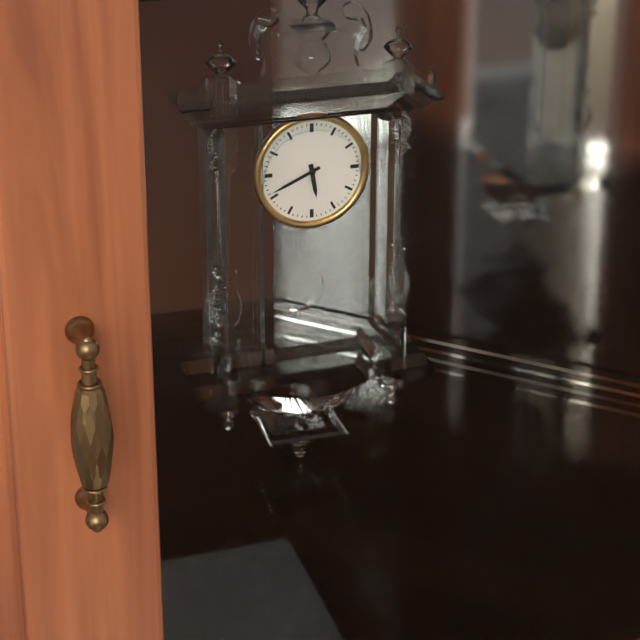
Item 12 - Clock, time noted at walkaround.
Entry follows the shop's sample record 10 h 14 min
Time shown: 5 h 41 min
